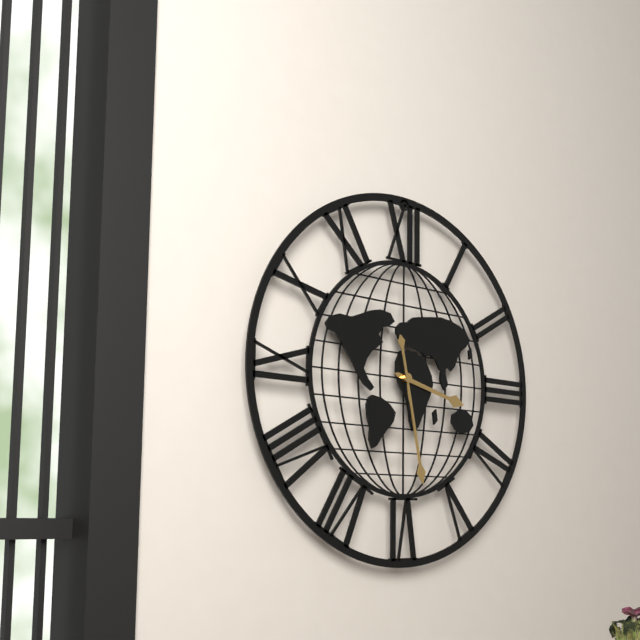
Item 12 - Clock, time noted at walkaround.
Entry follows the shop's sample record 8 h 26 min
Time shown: 3 h 28 min
